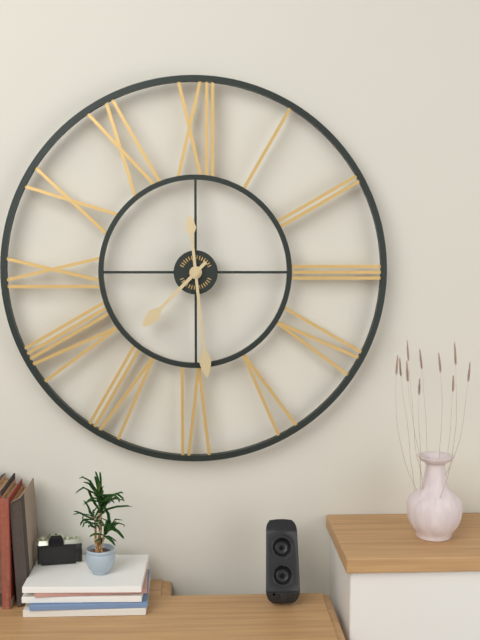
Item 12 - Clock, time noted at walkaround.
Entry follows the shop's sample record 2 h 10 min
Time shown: 7 h 29 min
